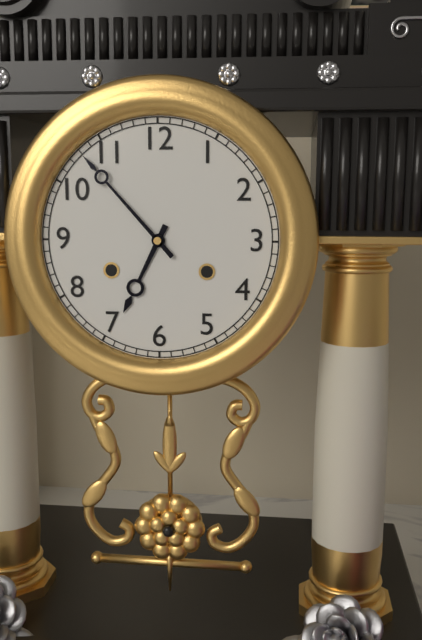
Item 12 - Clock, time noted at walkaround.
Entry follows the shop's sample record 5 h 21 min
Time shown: 6 h 53 min
